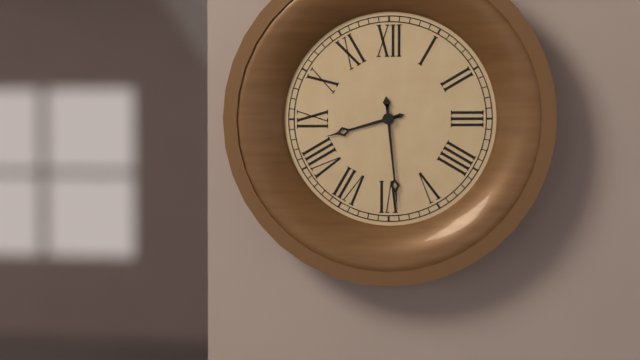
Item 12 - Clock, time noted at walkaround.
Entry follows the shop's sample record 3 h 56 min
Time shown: 8 h 29 min
